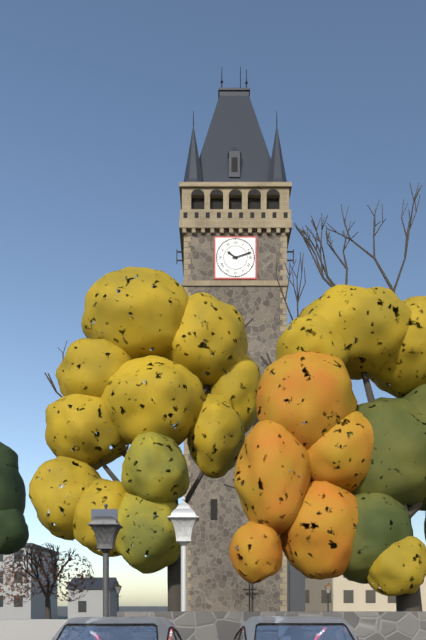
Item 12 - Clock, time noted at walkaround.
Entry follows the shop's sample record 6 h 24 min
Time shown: 10 h 12 min
